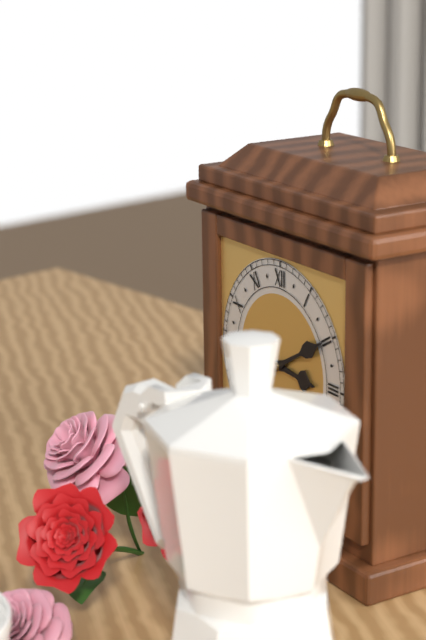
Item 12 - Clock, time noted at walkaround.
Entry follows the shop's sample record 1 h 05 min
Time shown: 3 h 10 min
